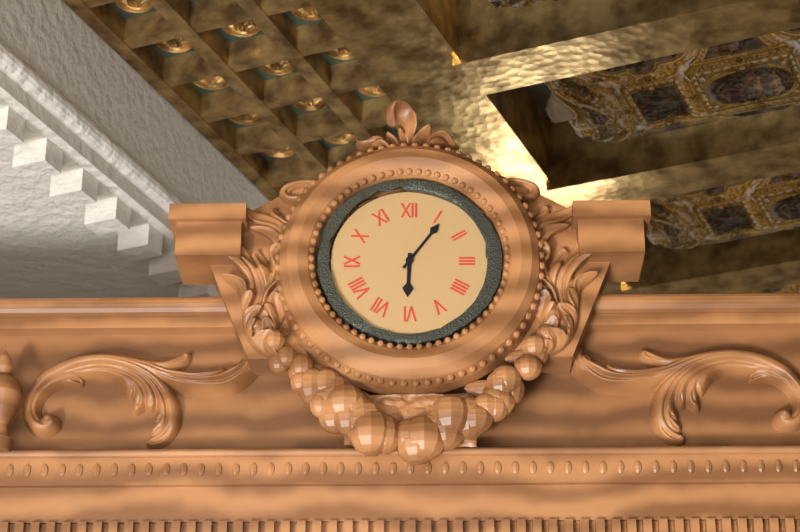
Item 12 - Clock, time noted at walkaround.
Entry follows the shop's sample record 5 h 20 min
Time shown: 6 h 06 min
